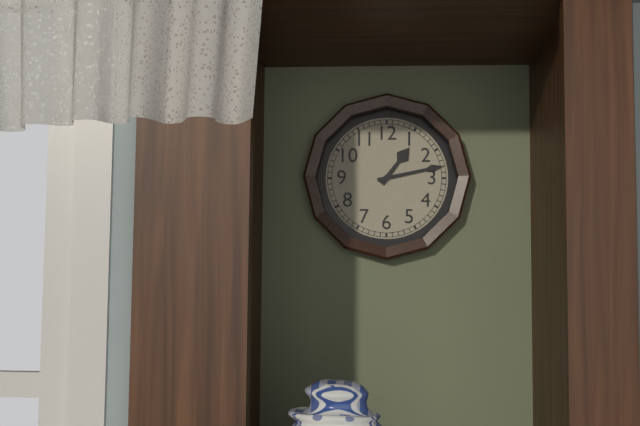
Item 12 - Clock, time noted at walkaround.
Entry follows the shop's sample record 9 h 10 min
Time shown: 1 h 13 min
